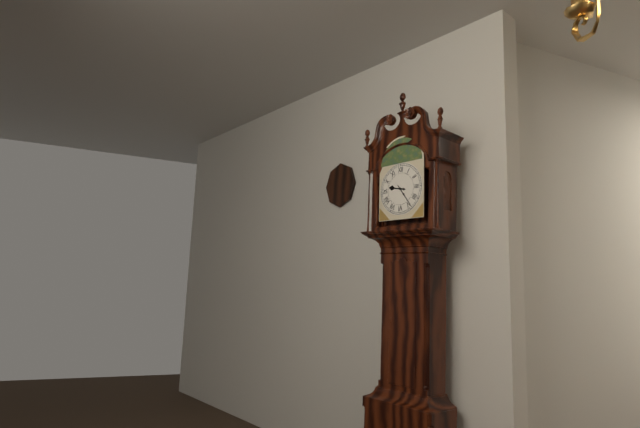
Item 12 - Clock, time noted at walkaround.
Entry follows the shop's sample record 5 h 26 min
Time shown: 9 h 24 min
